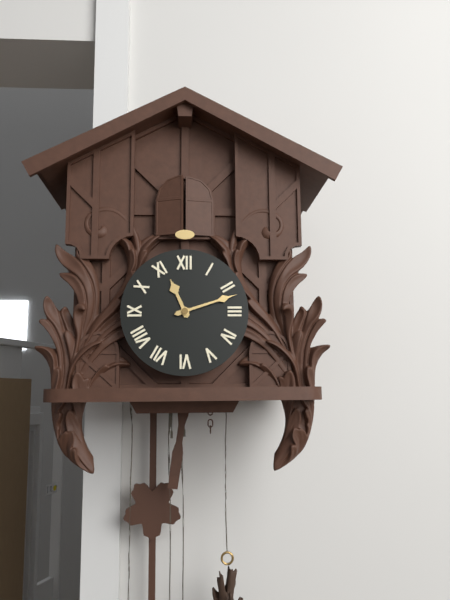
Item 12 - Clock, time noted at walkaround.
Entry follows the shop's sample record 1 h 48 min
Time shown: 11 h 12 min
